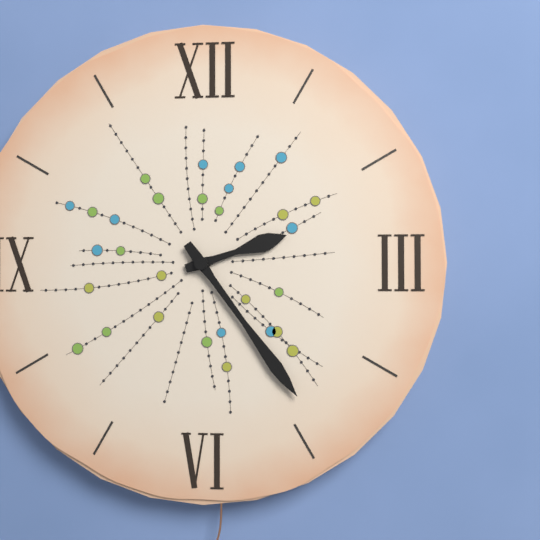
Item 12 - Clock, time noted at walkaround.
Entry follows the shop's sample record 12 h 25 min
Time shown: 2 h 24 min
